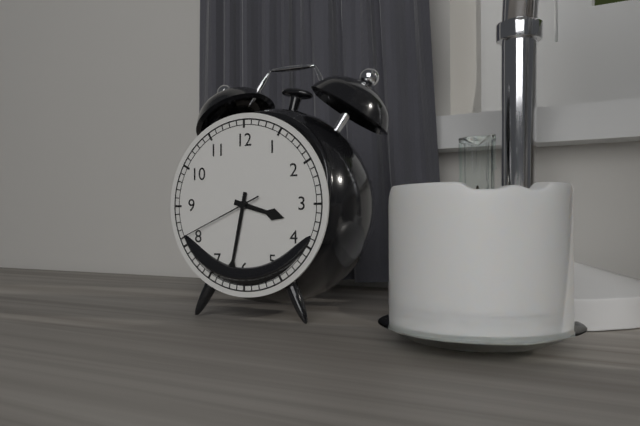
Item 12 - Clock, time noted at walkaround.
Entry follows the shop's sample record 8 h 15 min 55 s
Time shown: 3 h 32 min 41 s
